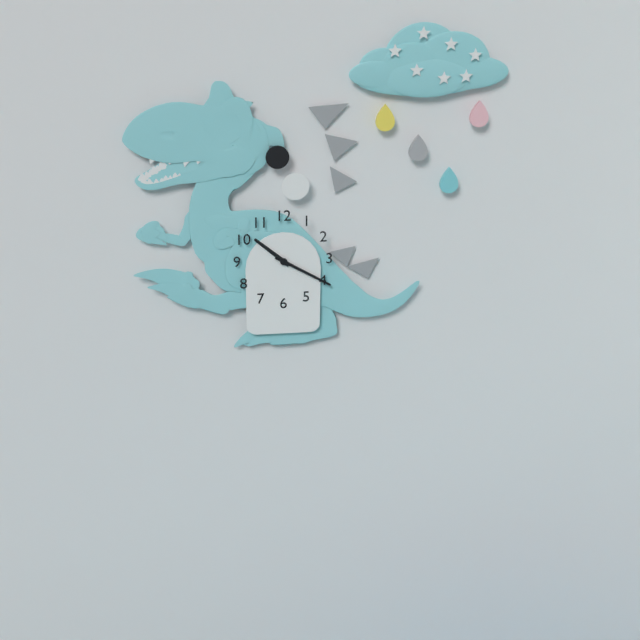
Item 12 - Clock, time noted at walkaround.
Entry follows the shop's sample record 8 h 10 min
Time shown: 10 h 20 min
